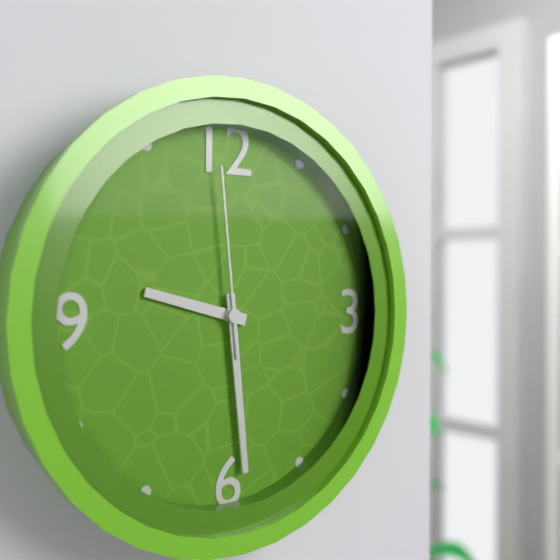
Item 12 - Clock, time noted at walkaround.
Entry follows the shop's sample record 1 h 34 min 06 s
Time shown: 9 h 29 min 59 s
